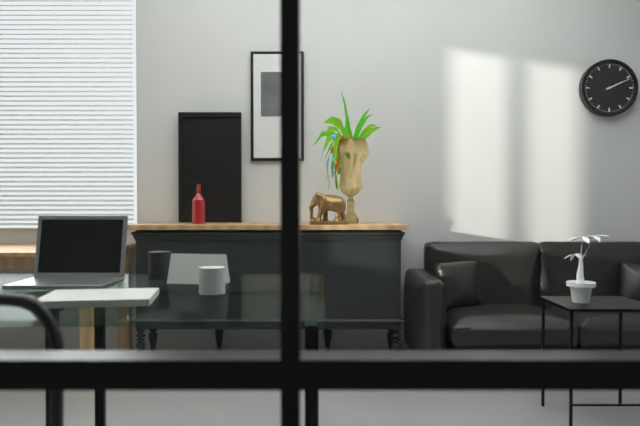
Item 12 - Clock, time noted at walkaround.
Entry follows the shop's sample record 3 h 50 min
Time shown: 2 h 11 min
